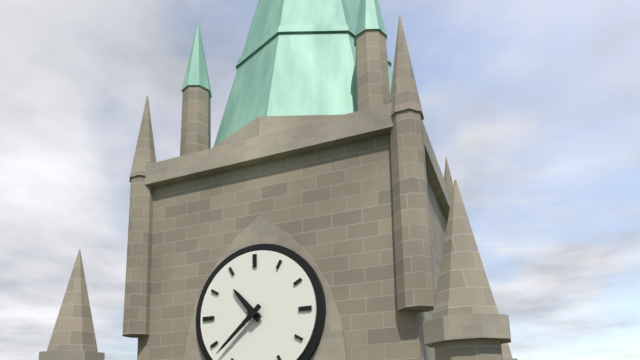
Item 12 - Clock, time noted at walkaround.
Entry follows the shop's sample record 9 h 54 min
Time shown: 10 h 38 min
